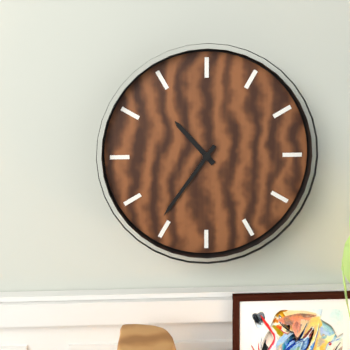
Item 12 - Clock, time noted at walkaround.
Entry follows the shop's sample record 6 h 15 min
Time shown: 10 h 36 min
